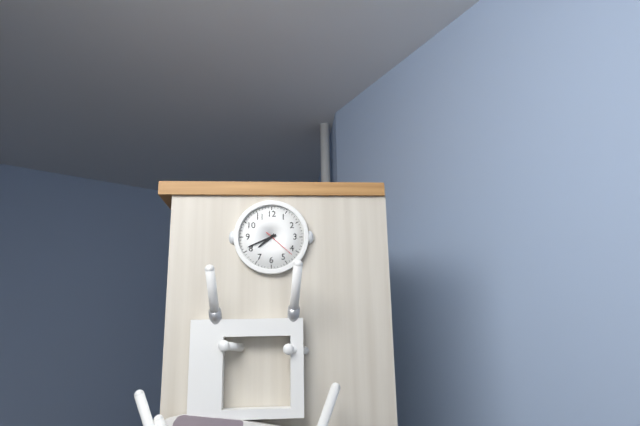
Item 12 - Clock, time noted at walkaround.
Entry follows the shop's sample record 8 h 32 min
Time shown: 7 h 41 min
